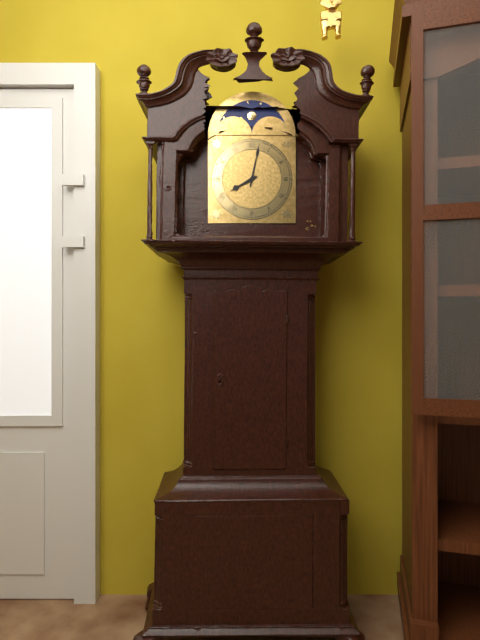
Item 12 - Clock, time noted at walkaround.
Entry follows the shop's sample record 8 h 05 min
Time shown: 8 h 02 min
